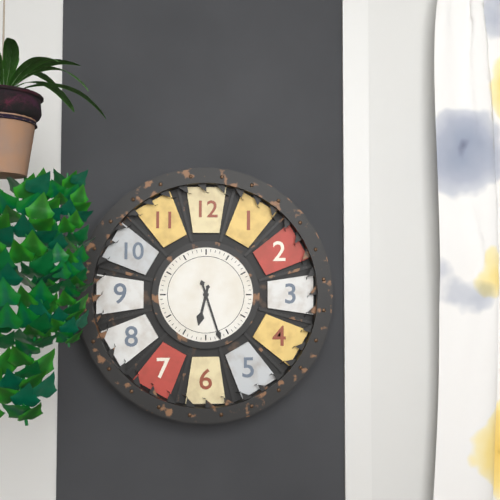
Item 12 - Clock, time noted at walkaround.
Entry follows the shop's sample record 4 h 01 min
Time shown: 6 h 27 min
